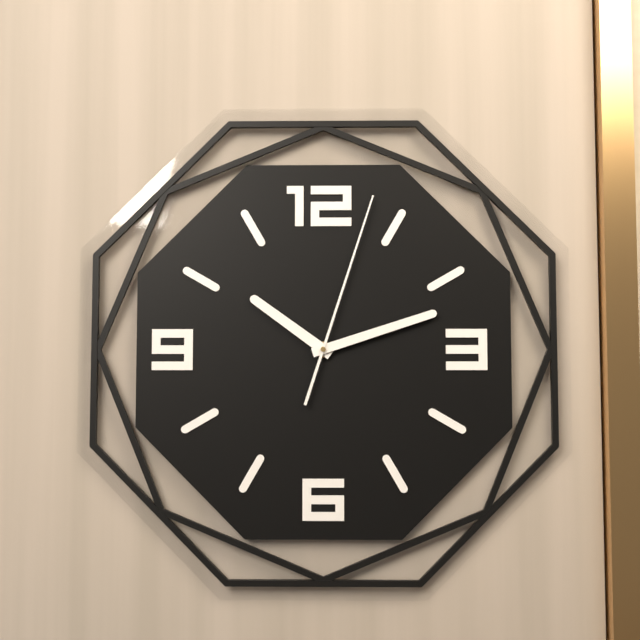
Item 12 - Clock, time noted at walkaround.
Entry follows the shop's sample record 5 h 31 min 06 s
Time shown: 10 h 12 min 03 s
